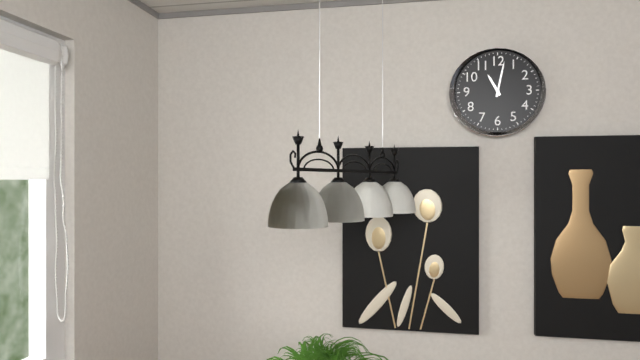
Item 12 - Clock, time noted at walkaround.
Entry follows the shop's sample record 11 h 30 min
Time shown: 11 h 02 min
